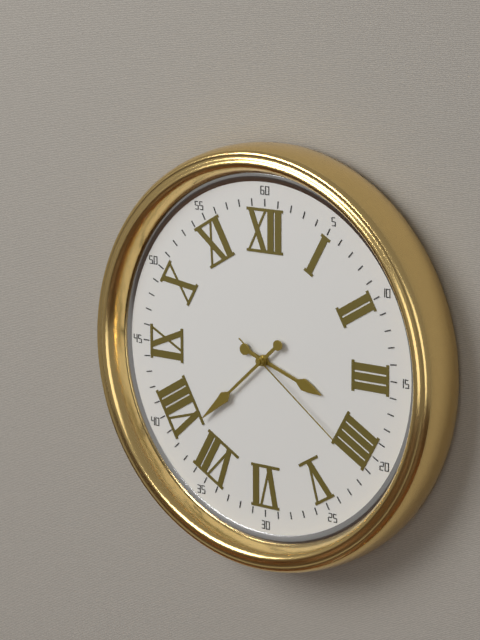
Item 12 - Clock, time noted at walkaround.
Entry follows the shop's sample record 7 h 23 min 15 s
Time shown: 3 h 38 min 21 s
